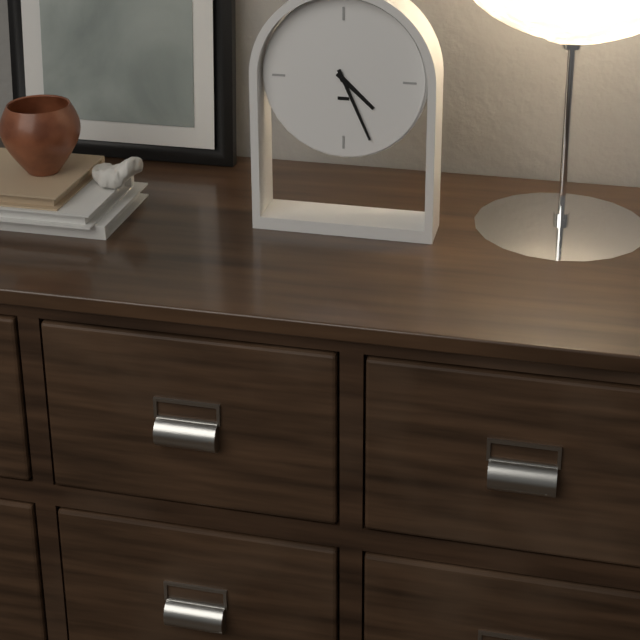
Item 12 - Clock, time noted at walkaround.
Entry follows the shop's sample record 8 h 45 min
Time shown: 4 h 26 min
